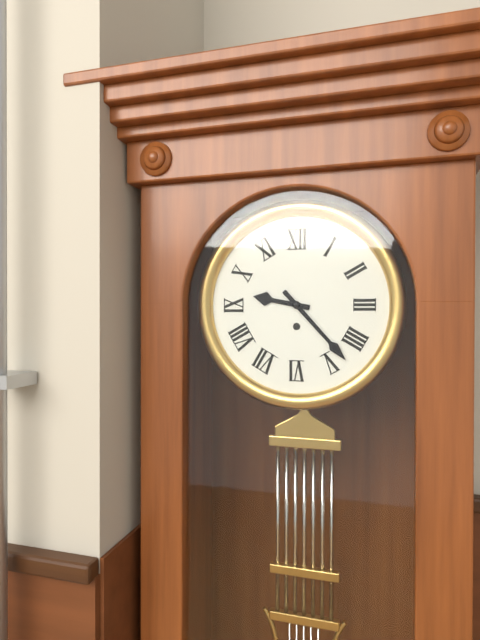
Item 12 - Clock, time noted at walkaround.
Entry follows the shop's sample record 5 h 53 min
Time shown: 9 h 23 min
